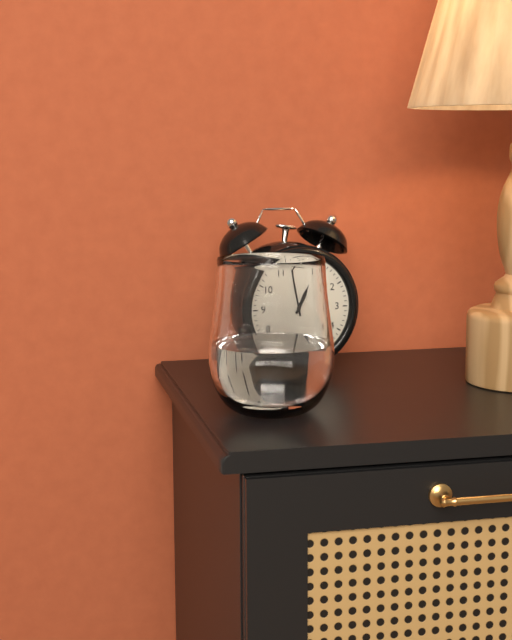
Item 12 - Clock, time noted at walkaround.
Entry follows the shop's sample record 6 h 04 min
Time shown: 12 h 58 min
